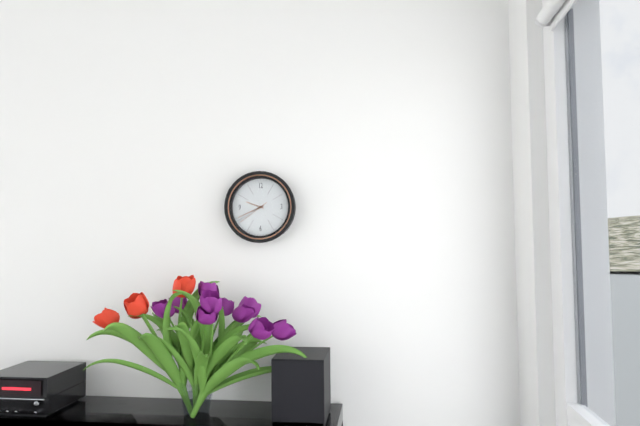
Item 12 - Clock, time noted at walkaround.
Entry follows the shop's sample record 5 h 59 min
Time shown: 9 h 41 min
